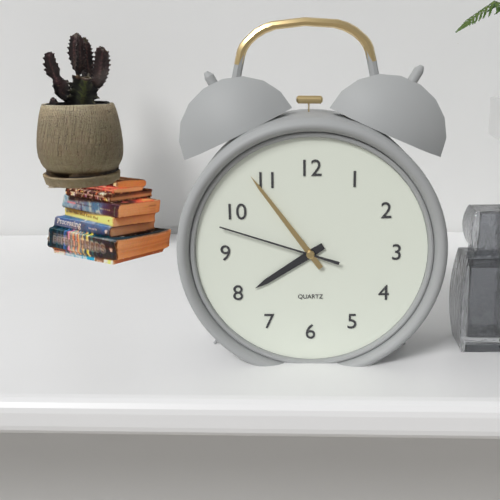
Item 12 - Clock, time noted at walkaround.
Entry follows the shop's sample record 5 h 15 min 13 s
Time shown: 7 h 54 min 48 s
